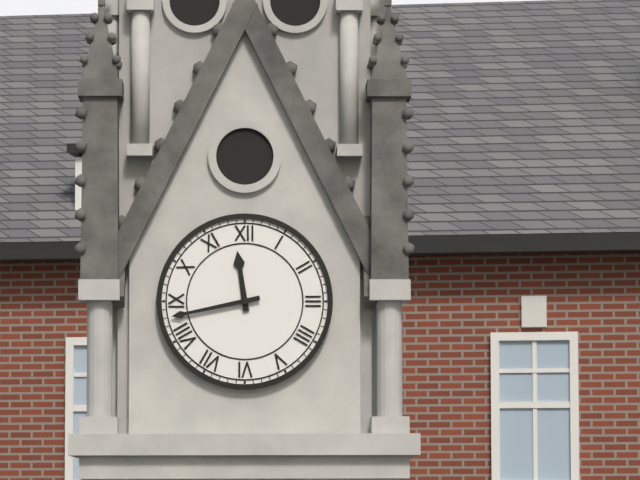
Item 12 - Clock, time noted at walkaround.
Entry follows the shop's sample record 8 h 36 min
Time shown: 11 h 43 min
